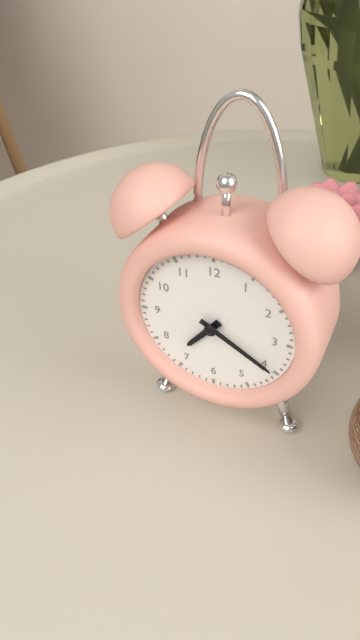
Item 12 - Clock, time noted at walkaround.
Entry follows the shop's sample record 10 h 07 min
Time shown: 7 h 20 min
